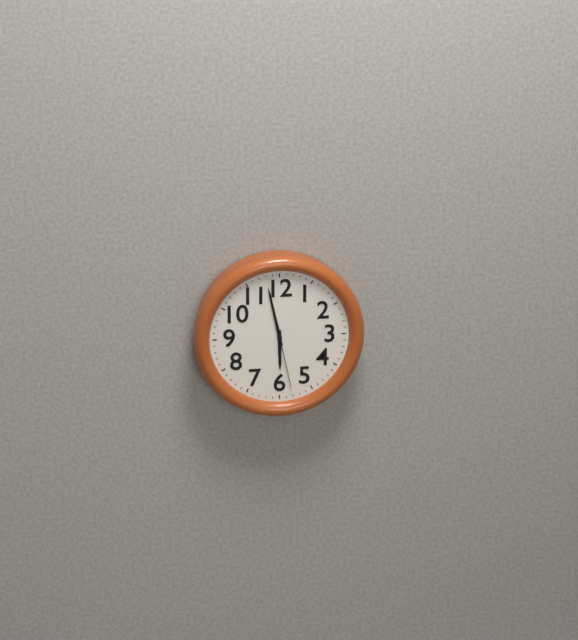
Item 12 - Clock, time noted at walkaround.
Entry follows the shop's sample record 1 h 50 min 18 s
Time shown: 5 h 58 min 28 s
